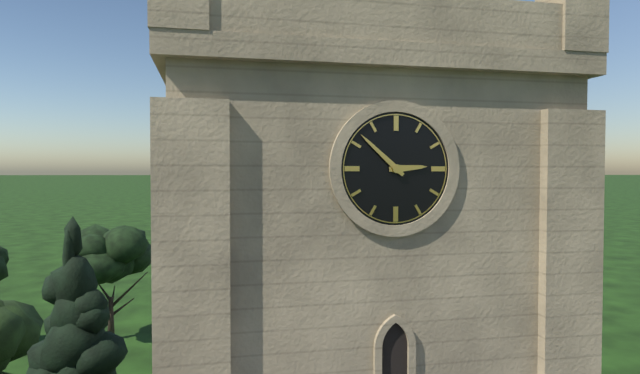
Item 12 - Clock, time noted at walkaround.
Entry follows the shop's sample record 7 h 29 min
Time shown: 2 h 52 min
